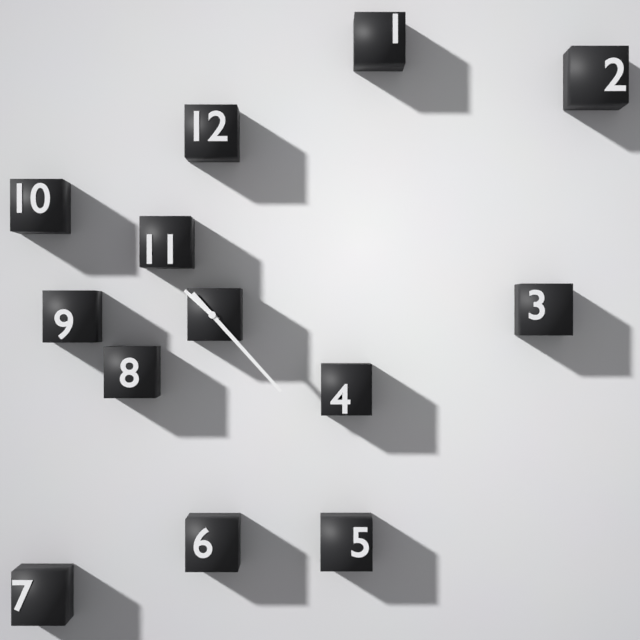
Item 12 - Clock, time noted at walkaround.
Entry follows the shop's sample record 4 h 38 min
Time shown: 10 h 23 min
